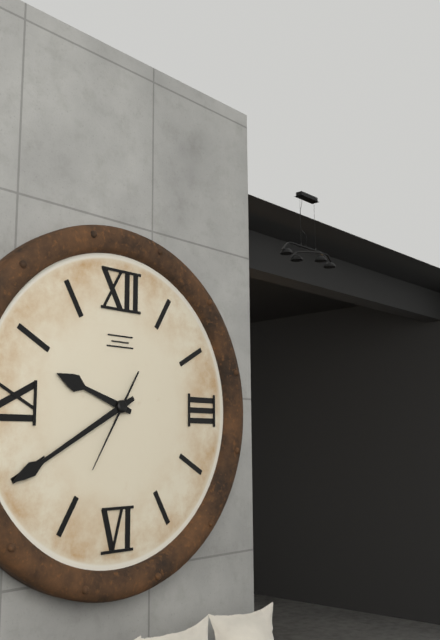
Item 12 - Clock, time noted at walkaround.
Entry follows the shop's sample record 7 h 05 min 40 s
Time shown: 9 h 40 min 35 s
